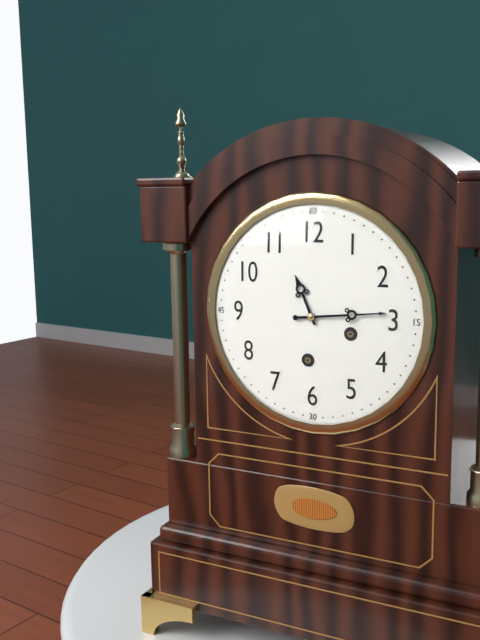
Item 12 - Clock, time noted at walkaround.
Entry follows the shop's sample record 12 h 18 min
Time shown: 11 h 14 min
